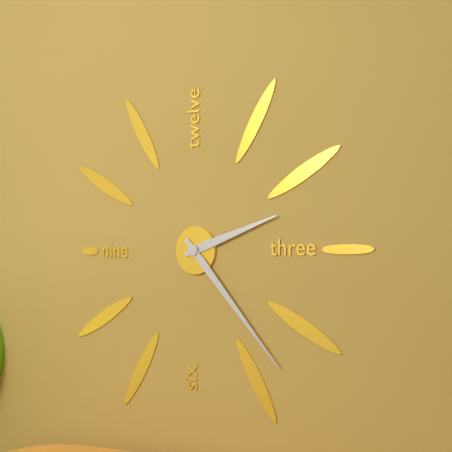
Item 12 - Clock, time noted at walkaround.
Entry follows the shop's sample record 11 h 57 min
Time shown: 2 h 23 min
